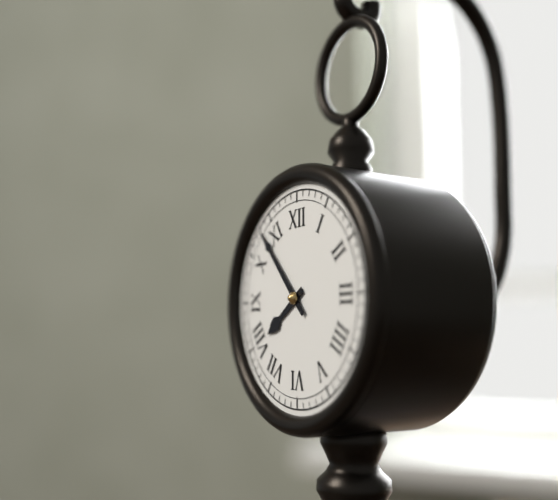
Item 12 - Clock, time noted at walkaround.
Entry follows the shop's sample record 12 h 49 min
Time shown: 7 h 53 min
